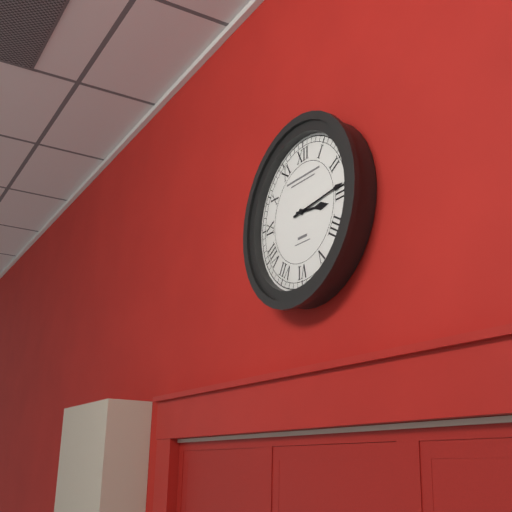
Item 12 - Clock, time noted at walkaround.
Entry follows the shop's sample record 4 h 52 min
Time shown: 3 h 14 min
